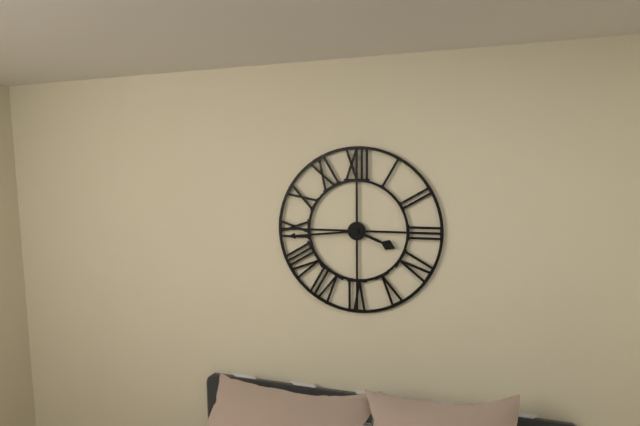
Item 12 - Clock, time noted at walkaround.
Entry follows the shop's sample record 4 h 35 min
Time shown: 3 h 44 min
